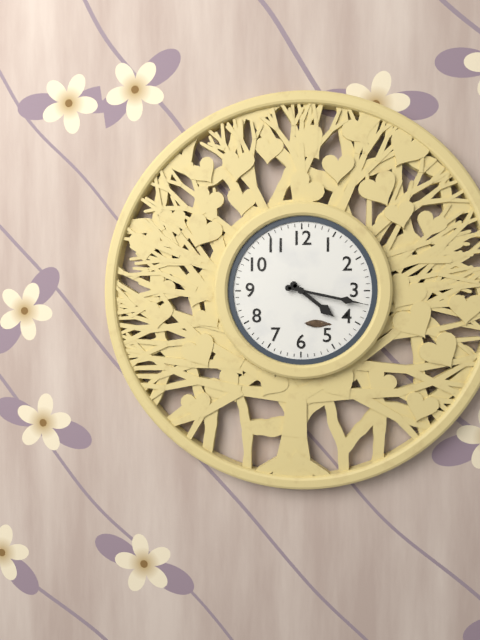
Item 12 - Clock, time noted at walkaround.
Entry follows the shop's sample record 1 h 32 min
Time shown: 4 h 17 min
